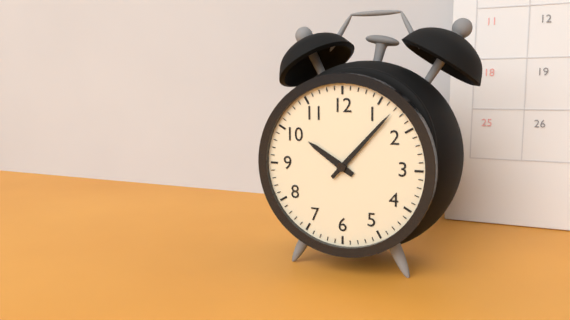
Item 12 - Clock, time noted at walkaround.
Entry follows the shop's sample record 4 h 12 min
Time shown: 10 h 07 min
